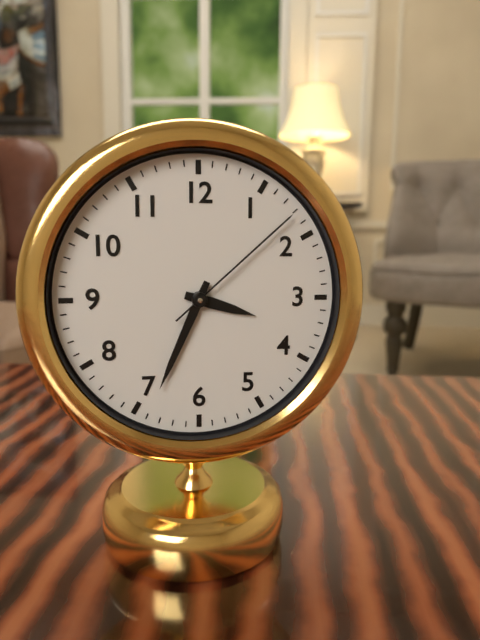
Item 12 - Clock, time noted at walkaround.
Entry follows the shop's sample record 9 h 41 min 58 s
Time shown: 3 h 34 min 08 s
